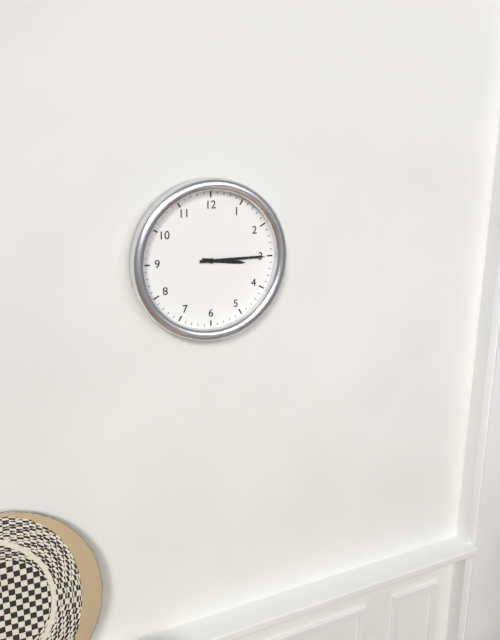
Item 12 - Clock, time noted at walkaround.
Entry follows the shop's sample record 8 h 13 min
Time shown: 3 h 15 min
